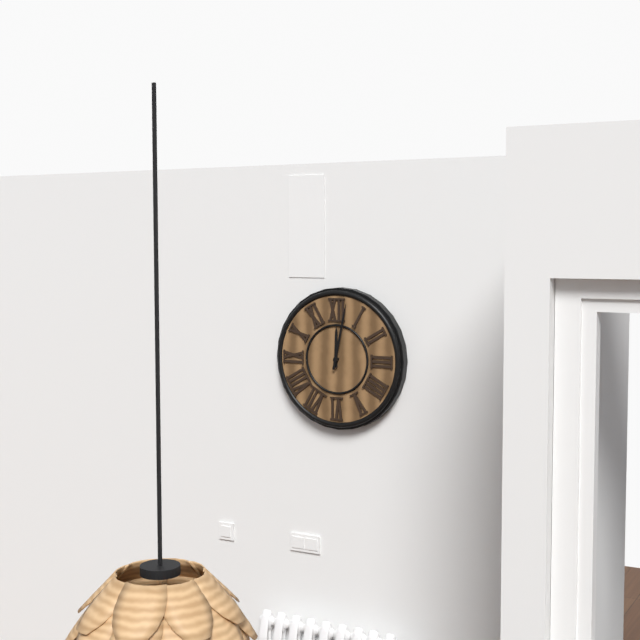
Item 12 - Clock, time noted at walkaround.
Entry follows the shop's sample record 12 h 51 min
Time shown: 12 h 02 min
